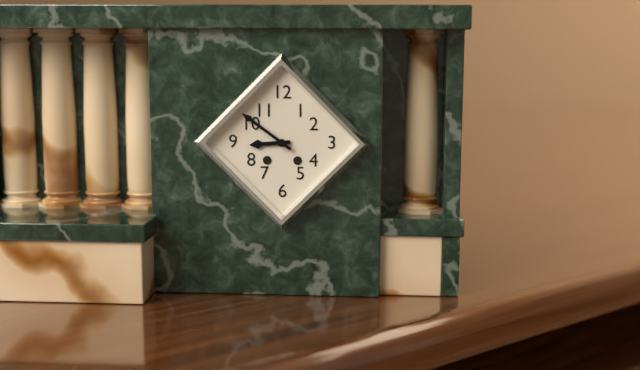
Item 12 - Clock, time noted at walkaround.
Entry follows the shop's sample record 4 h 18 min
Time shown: 8 h 51 min
